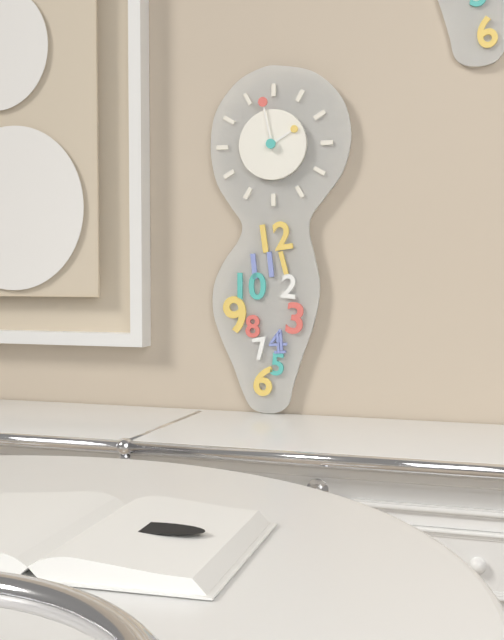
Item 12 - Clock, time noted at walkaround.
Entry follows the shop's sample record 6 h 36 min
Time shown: 1 h 58 min
